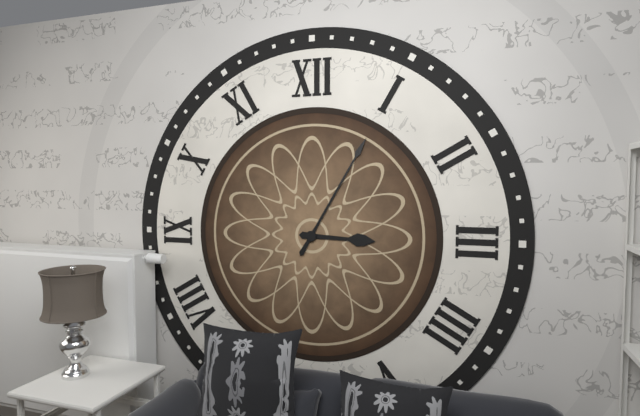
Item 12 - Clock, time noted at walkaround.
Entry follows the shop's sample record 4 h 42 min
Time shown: 3 h 05 min
